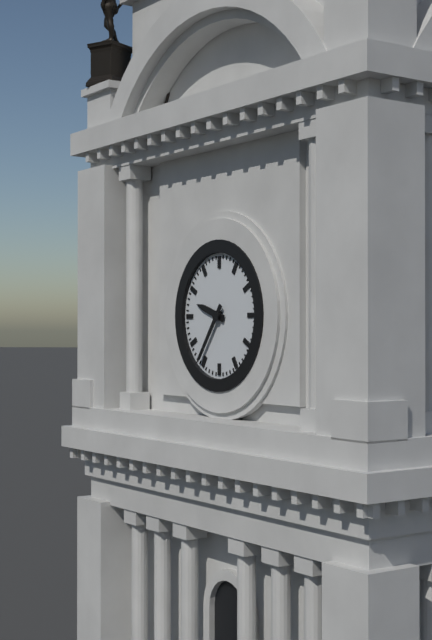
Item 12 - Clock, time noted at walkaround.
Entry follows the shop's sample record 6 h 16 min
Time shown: 9 h 36 min
